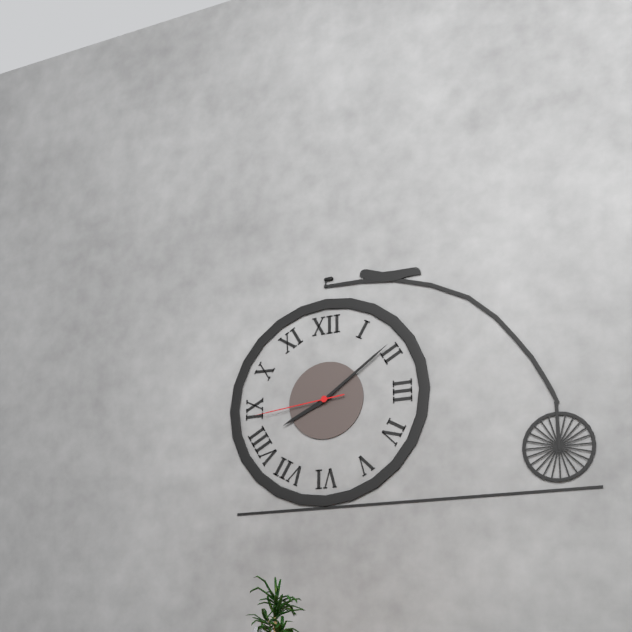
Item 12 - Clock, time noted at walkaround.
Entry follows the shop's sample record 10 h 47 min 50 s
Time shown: 8 h 09 min 44 s
